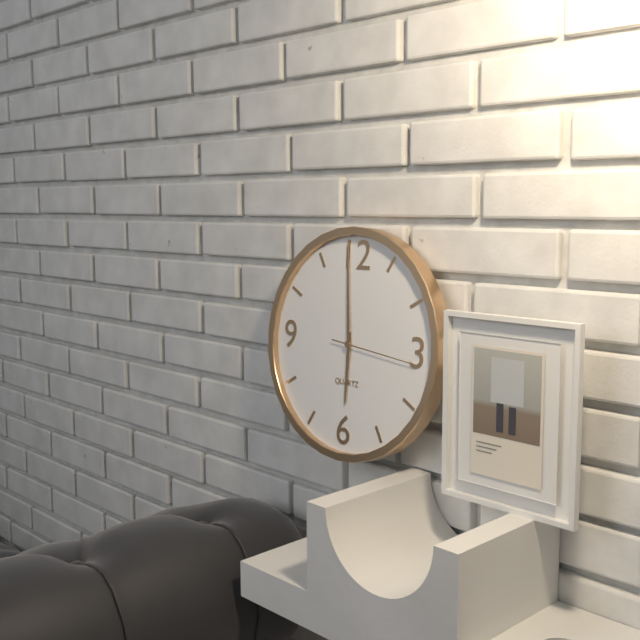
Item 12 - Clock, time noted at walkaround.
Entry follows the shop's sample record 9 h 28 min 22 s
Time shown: 5 h 59 min 16 s
